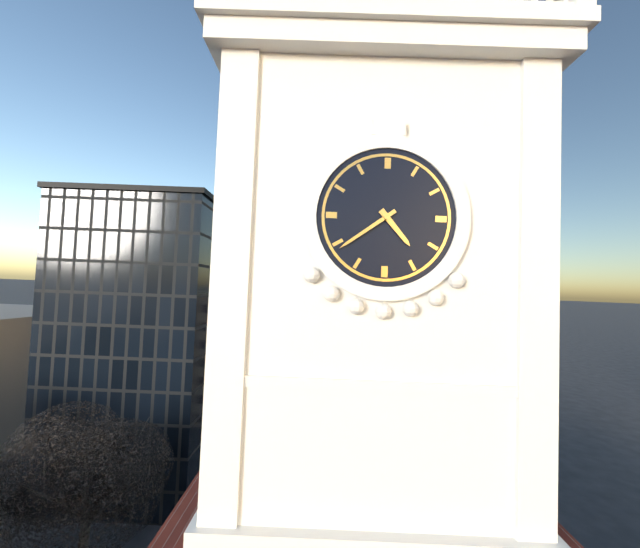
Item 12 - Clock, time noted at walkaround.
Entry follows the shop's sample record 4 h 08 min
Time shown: 4 h 39 min
